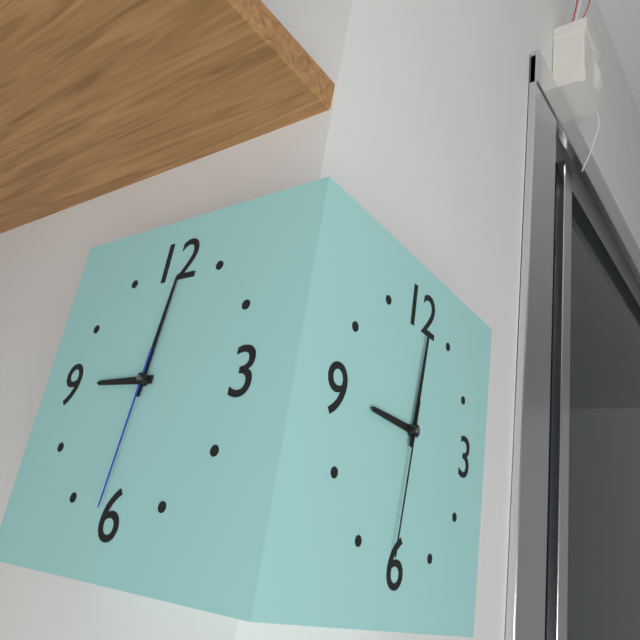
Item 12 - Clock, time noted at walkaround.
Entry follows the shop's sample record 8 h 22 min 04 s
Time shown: 9 h 01 min 31 s
